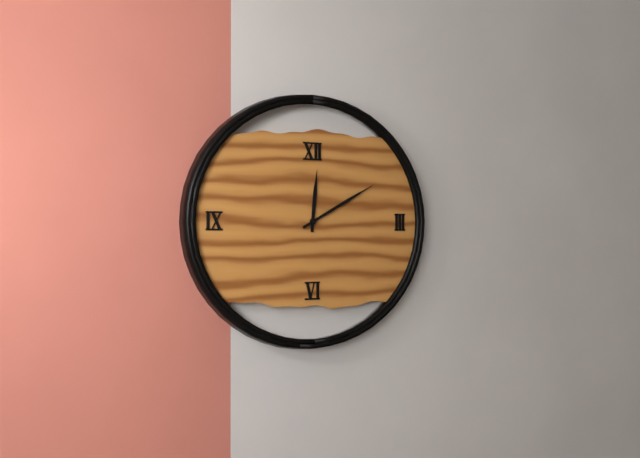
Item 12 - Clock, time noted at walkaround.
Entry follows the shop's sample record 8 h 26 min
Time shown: 12 h 10 min
